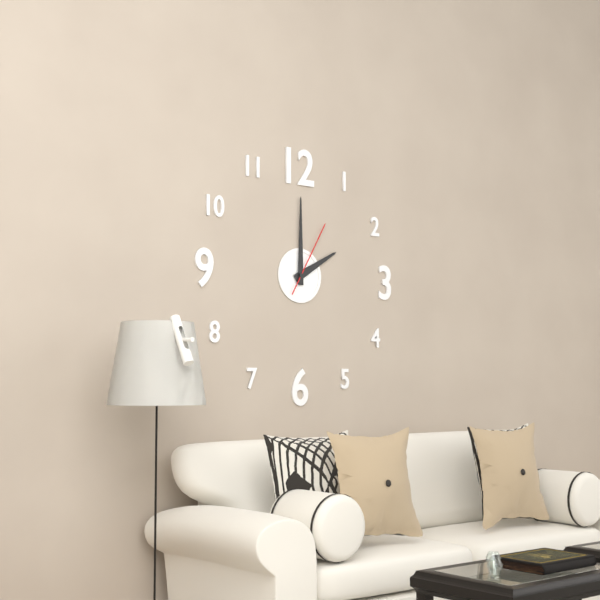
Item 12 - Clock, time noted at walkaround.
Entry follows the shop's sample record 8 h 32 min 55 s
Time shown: 2 h 00 min 05 s
